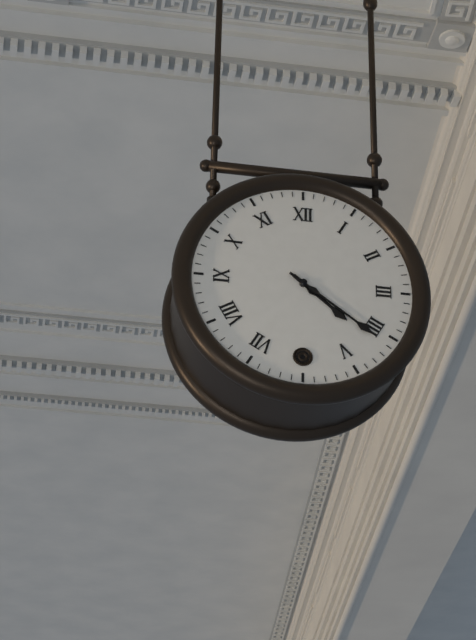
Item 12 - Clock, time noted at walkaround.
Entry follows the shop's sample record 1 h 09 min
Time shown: 4 h 21 min
